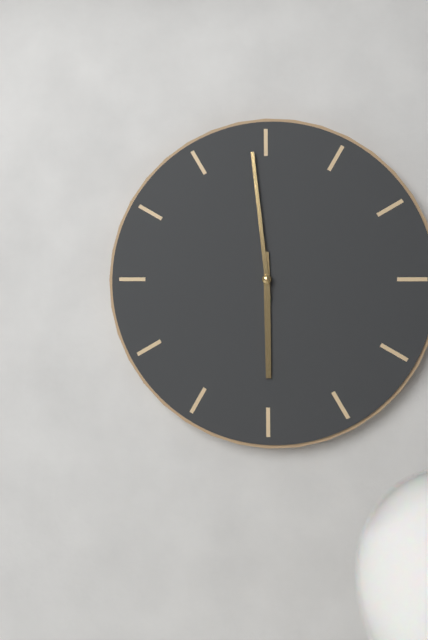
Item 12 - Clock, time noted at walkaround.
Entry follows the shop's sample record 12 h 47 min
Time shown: 5 h 59 min
